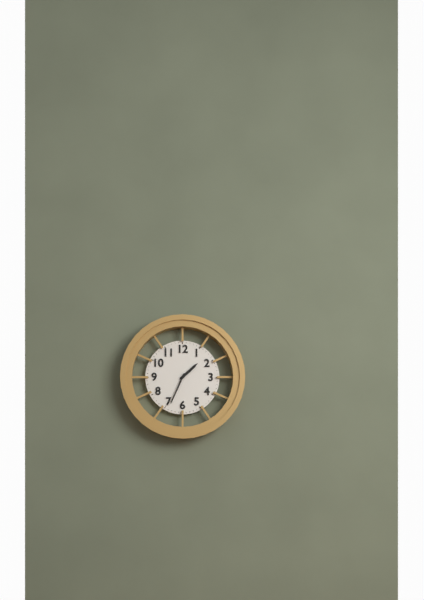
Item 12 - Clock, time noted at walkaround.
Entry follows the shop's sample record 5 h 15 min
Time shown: 1 h 34 min
